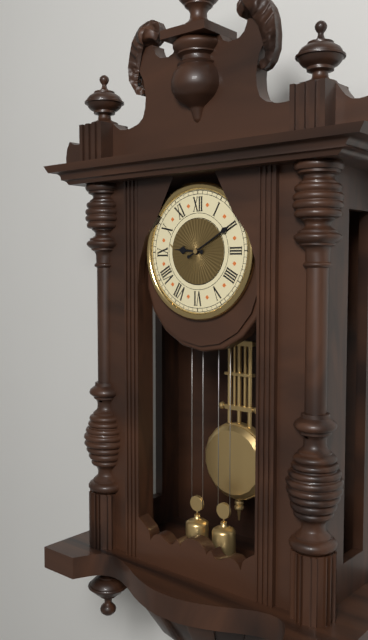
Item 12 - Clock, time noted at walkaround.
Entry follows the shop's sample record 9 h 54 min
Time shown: 9 h 10 min
